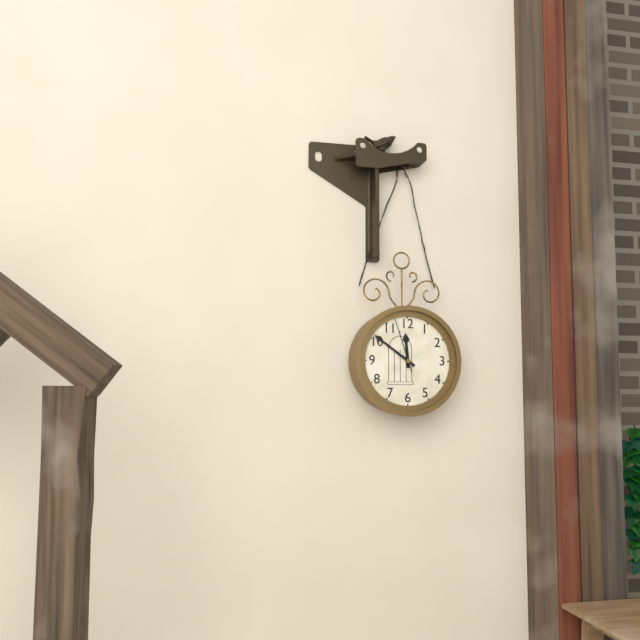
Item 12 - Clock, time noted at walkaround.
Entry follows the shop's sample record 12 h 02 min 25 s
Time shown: 11 h 51 min 57 s
